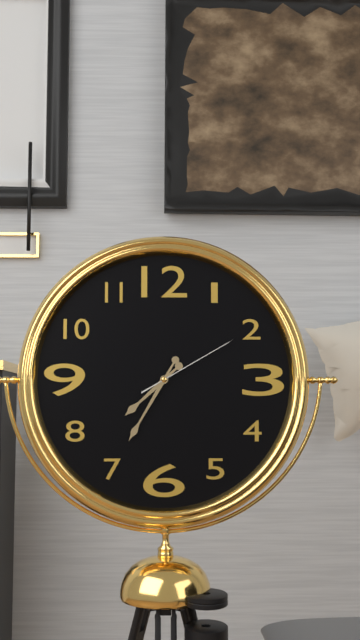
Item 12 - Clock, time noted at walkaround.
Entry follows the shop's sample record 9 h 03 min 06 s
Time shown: 7 h 35 min 10 s
